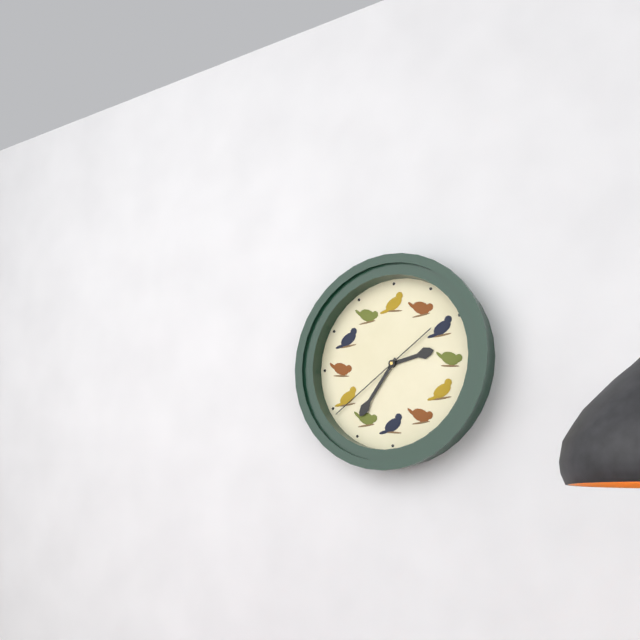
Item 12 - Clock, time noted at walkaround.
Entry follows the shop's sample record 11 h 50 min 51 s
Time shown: 2 h 36 min 39 s
